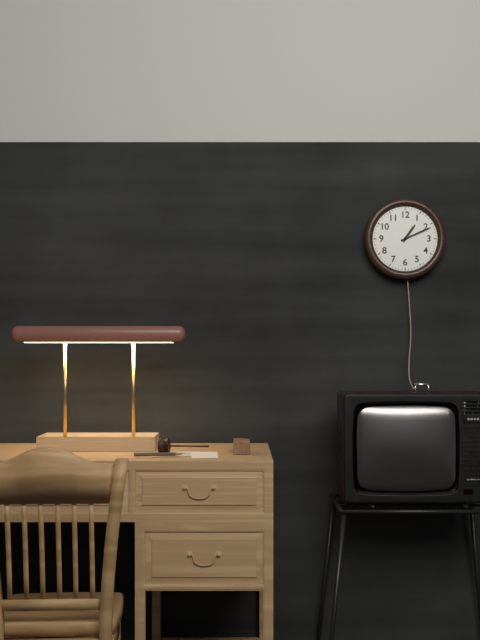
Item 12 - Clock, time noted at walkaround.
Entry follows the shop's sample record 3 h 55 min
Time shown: 1 h 11 min
